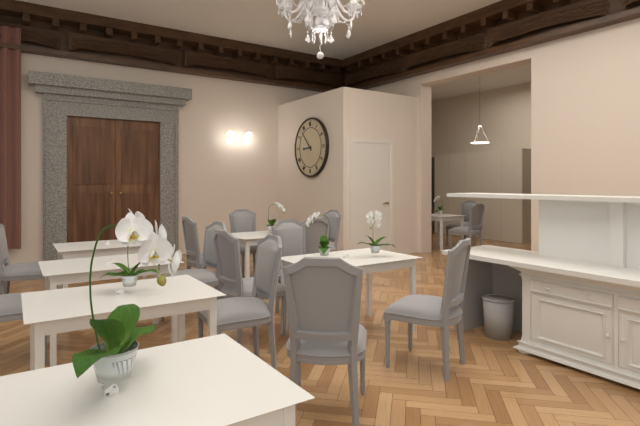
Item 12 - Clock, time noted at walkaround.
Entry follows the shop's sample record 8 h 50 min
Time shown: 8 h 53 min
